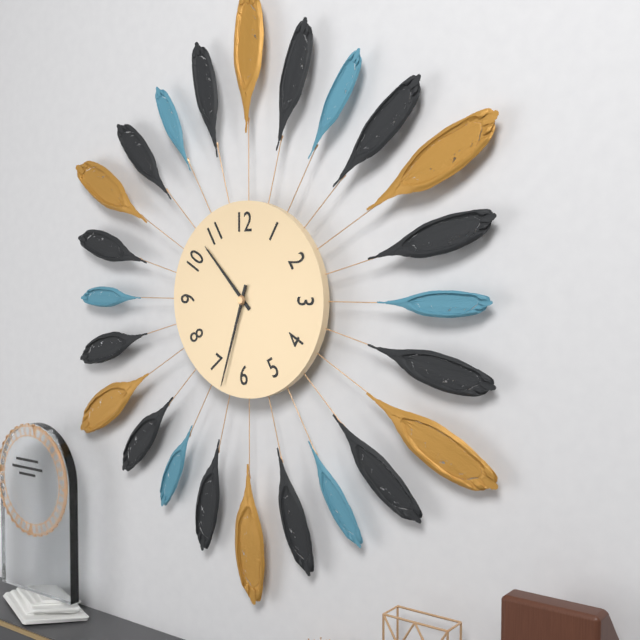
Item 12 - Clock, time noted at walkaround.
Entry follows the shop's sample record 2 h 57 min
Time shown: 10 h 33 min
